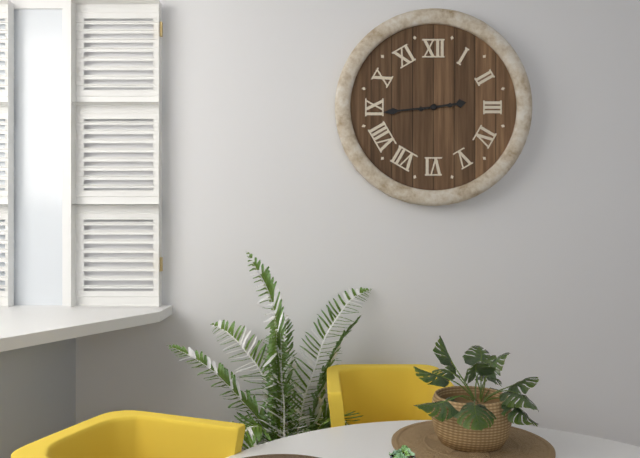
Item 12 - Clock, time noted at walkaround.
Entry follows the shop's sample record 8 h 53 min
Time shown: 2 h 44 min
